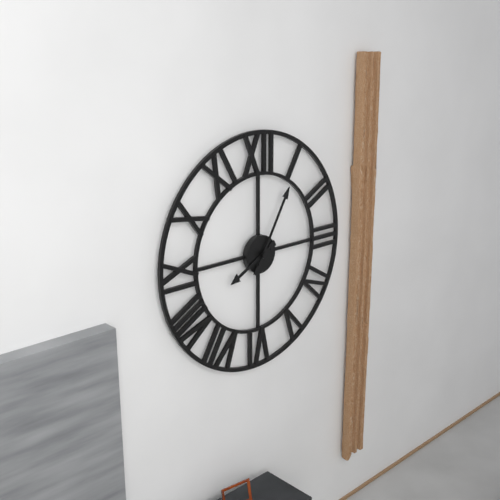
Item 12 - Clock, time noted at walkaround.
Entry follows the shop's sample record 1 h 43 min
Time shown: 8 h 05 min
